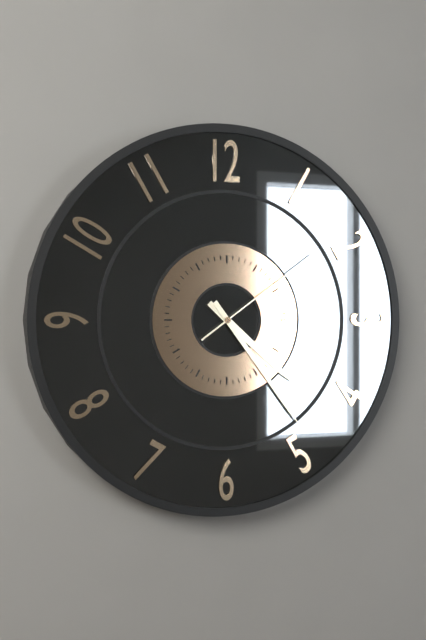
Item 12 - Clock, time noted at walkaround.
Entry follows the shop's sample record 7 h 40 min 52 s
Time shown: 4 h 24 min 09 s
